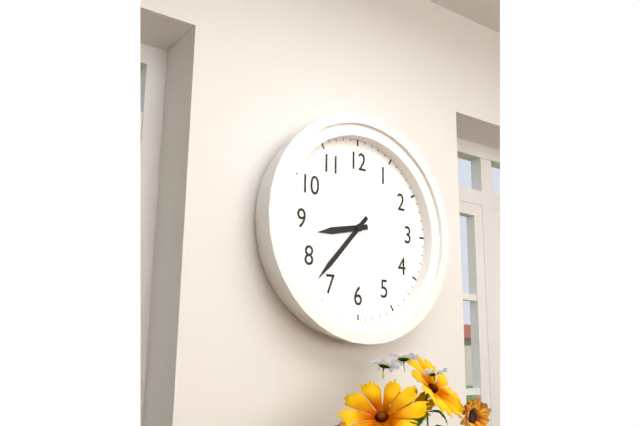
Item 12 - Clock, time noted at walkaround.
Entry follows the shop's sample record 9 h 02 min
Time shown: 8 h 37 min
